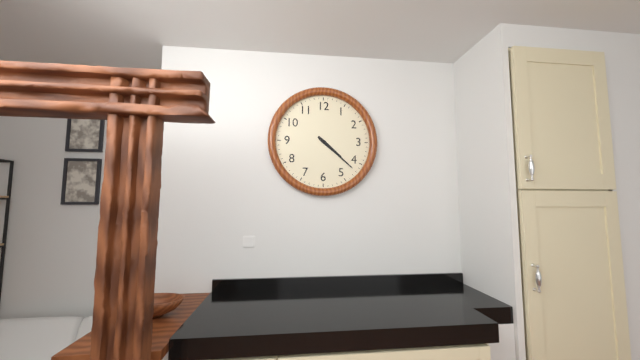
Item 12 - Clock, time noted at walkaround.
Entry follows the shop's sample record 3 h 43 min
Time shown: 4 h 22 min
